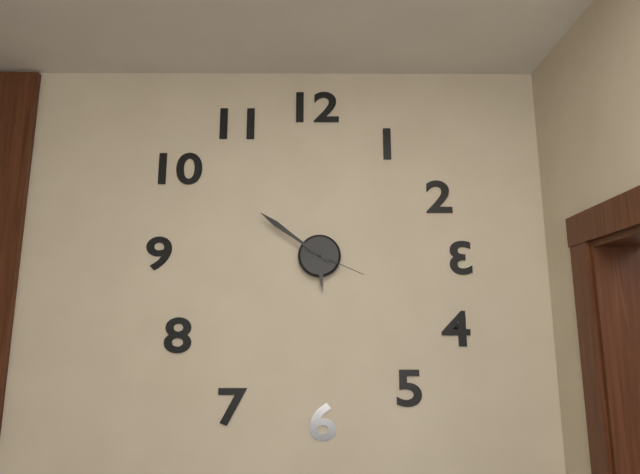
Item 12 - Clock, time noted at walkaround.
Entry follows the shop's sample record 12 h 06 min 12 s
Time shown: 5 h 51 min 19 s
